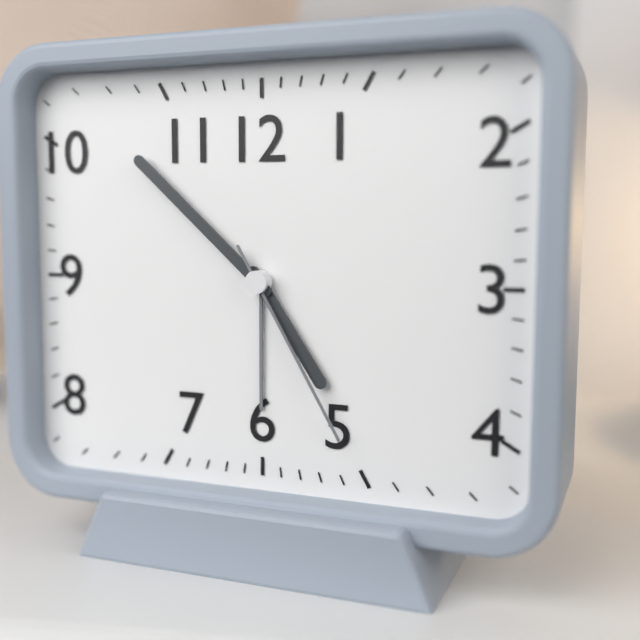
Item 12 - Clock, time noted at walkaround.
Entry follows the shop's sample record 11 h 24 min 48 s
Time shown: 4 h 52 min 25 s
